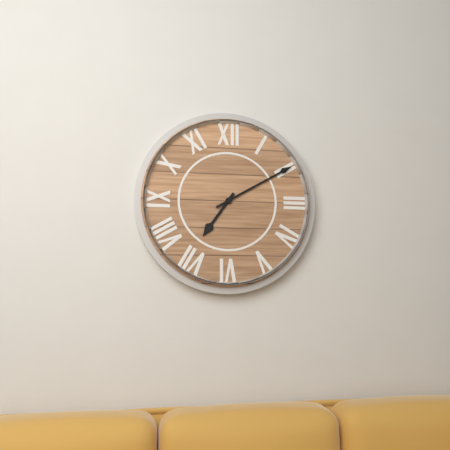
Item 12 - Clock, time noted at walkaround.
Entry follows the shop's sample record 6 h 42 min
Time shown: 7 h 10 min
